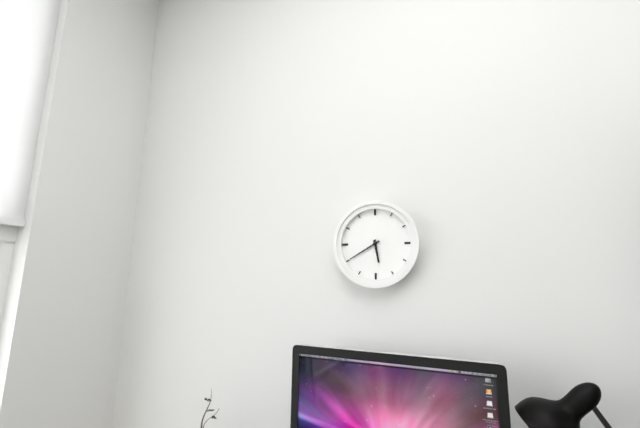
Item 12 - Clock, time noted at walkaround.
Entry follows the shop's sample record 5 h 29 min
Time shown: 5 h 40 min
